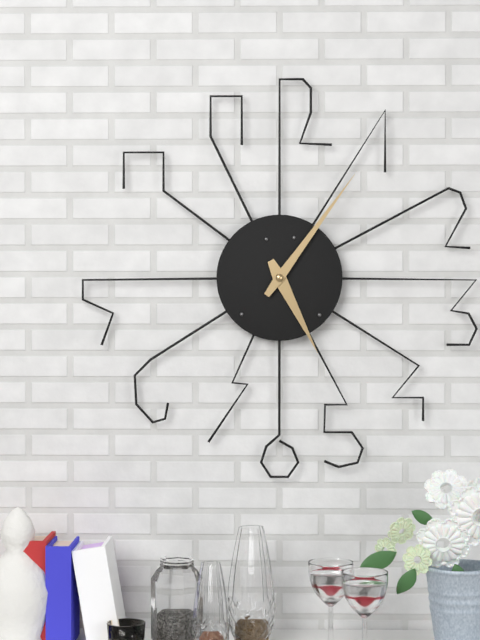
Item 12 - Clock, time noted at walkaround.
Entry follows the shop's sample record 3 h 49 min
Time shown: 5 h 06 min
